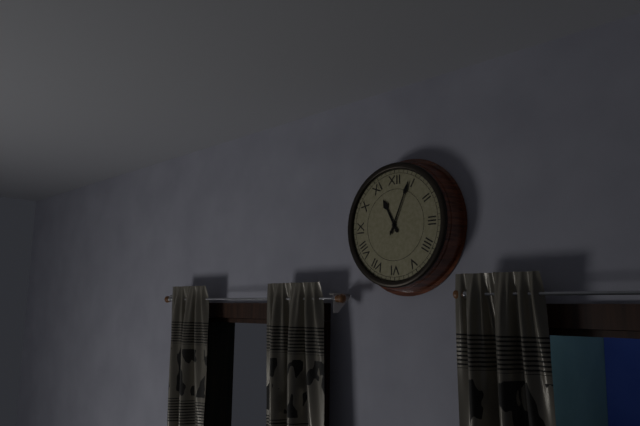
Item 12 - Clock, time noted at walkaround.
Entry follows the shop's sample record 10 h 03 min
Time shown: 11 h 04 min
